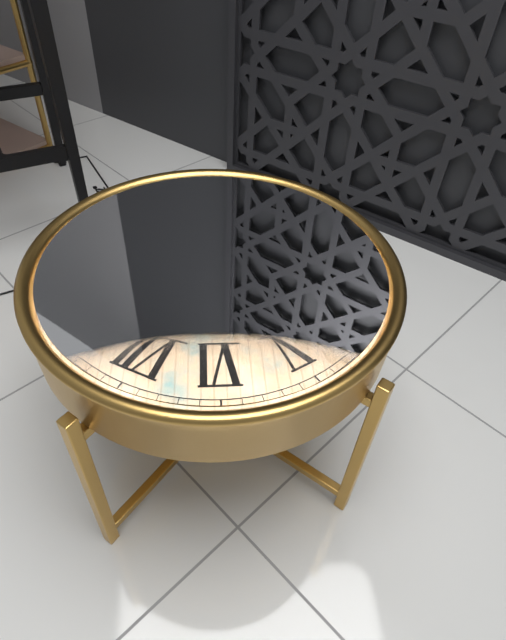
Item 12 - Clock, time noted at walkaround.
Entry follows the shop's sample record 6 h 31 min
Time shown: 9 h 24 min
